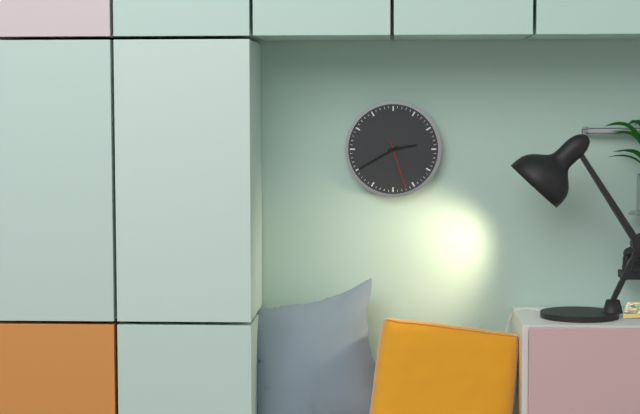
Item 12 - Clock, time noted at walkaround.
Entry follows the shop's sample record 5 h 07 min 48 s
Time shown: 2 h 40 min 27 s
